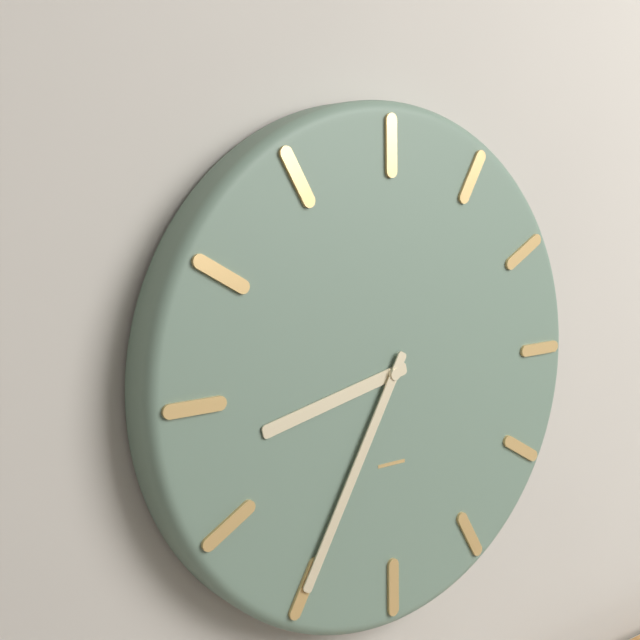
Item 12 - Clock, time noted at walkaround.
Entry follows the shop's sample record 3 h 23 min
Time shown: 8 h 35 min
